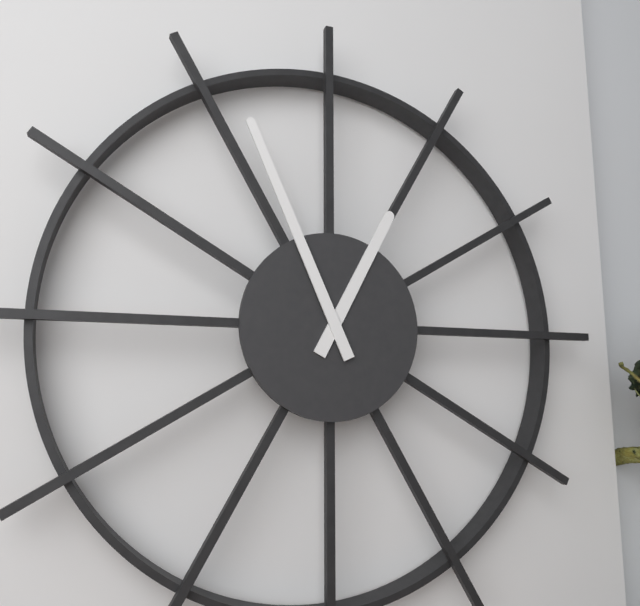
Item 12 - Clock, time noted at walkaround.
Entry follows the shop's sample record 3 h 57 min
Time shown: 12 h 56 min
